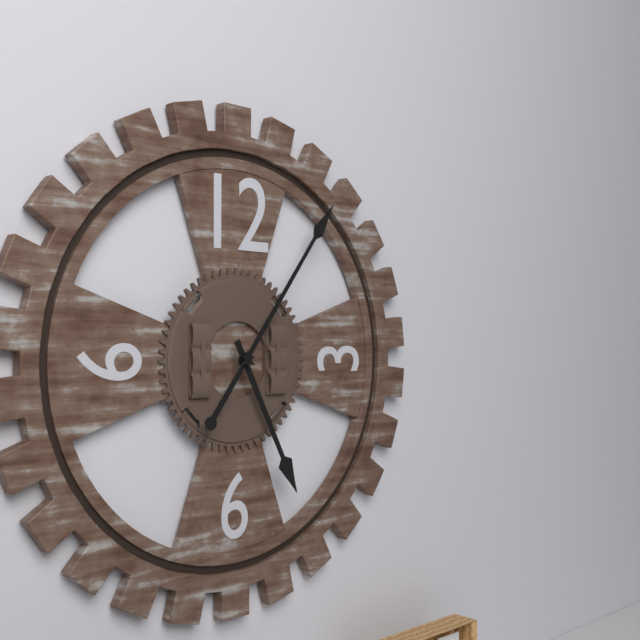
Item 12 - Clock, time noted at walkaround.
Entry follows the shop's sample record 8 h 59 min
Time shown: 5 h 06 min
